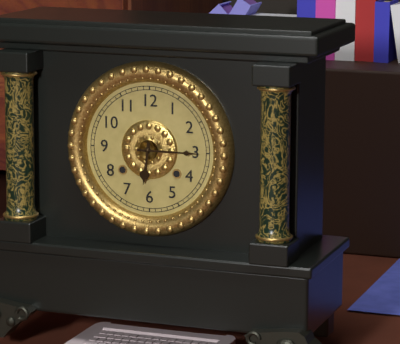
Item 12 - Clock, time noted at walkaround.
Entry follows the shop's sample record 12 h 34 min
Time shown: 6 h 15 min
